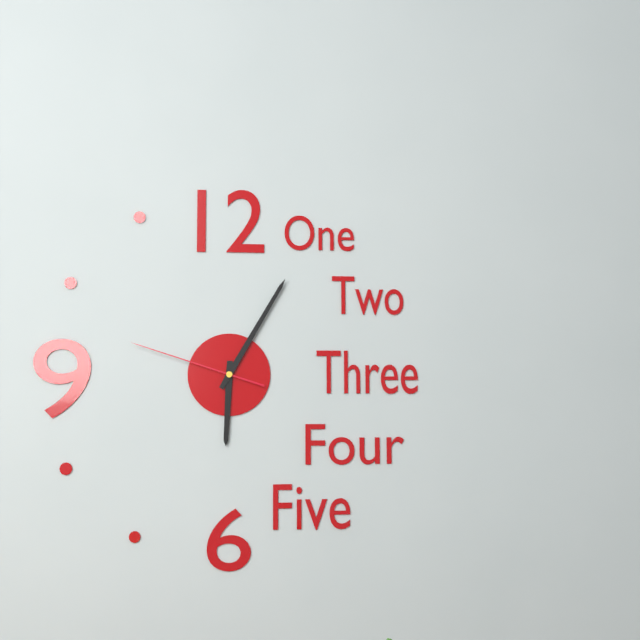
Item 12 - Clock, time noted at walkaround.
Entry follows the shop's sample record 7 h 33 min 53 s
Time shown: 6 h 05 min 48 s
